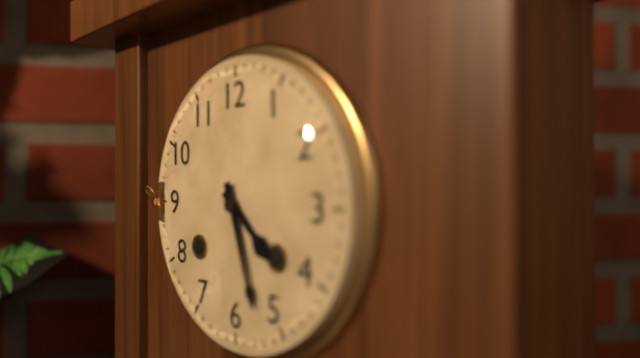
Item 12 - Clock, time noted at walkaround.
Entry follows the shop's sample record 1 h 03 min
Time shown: 4 h 27 min
